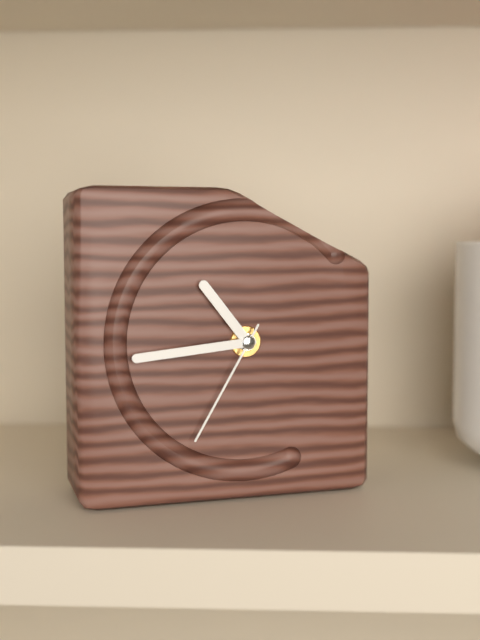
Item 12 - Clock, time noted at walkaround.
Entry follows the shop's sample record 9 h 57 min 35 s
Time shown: 10 h 44 min 35 s
